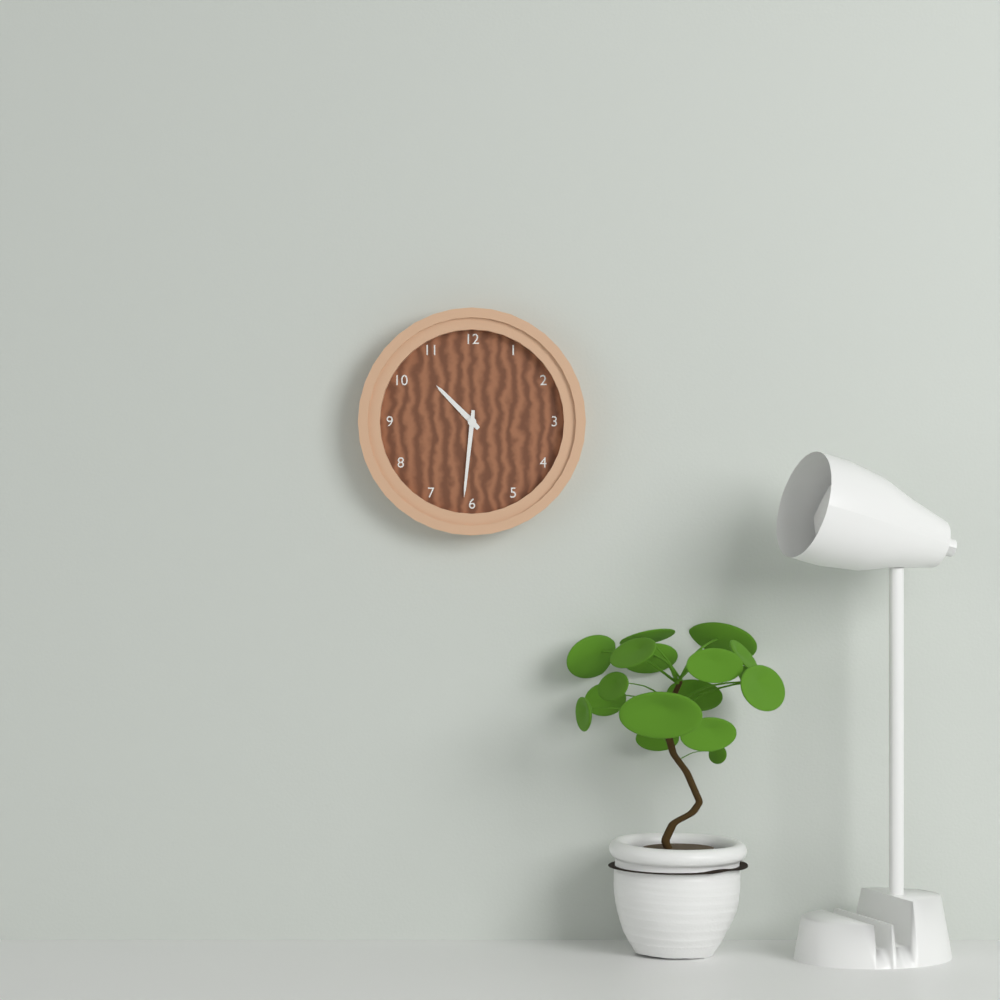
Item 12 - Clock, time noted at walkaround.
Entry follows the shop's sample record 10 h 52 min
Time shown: 10 h 31 min
